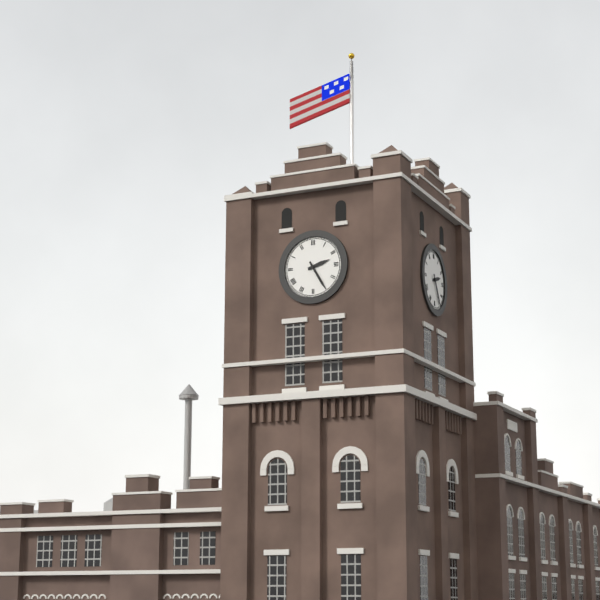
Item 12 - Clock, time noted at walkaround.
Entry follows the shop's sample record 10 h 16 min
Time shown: 2 h 25 min
